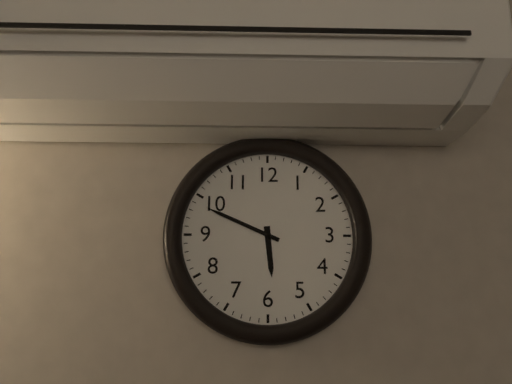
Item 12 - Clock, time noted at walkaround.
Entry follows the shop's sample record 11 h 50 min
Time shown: 5 h 49 min
